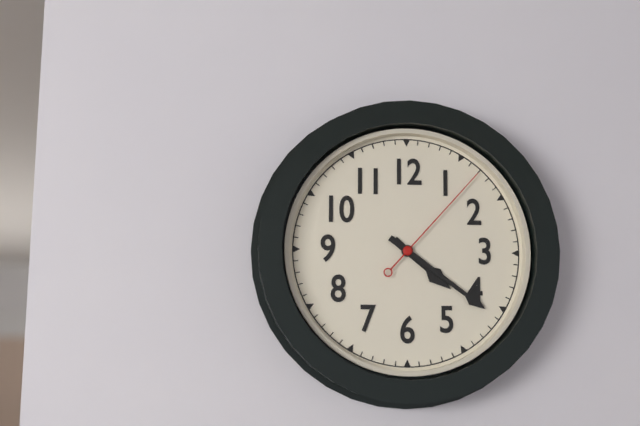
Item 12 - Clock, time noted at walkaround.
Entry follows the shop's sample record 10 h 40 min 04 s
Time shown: 4 h 21 min 07 s
